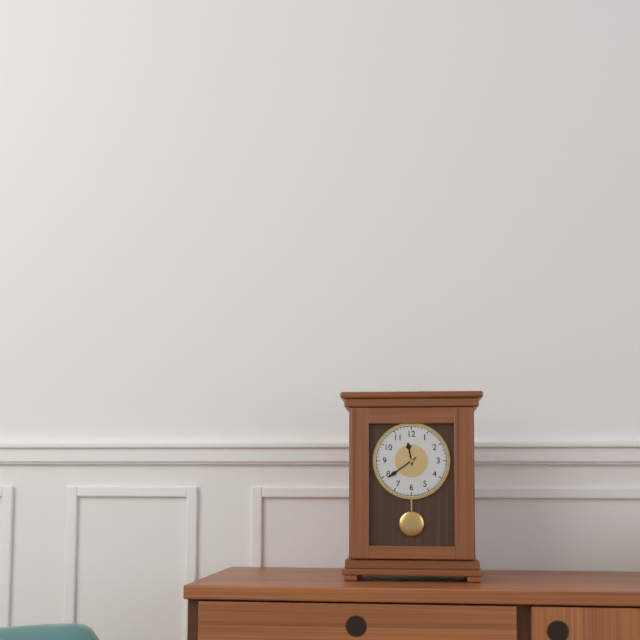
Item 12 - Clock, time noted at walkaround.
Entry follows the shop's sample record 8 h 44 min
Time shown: 11 h 39 min
